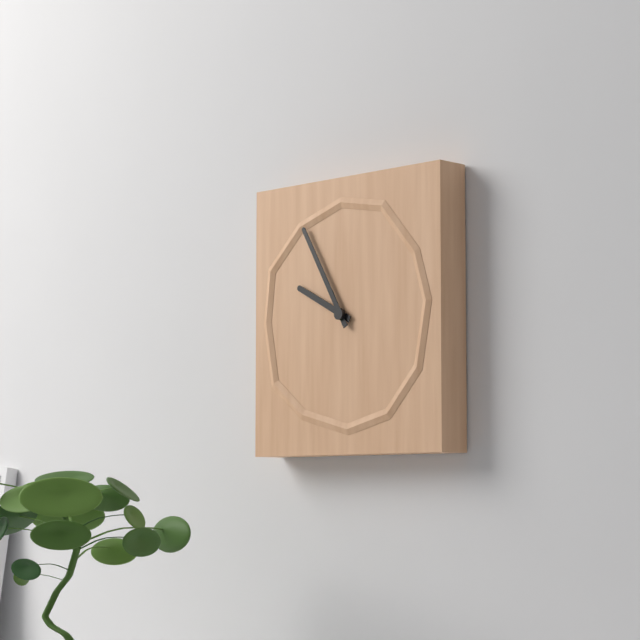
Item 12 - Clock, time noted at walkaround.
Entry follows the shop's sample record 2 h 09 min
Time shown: 9 h 55 min
